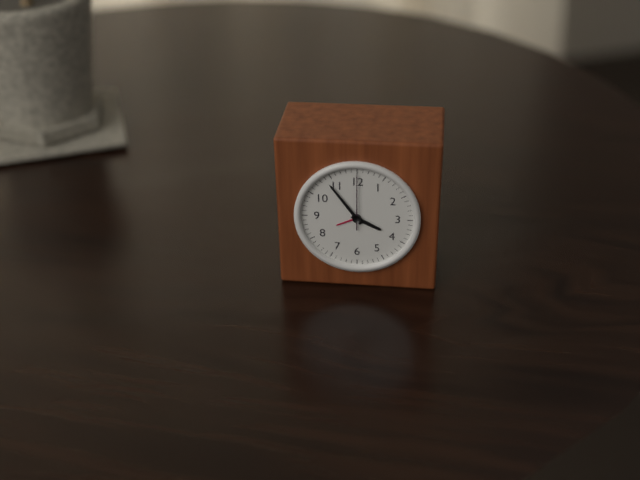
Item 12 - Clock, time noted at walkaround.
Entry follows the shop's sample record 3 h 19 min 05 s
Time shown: 3 h 54 min 00 s
